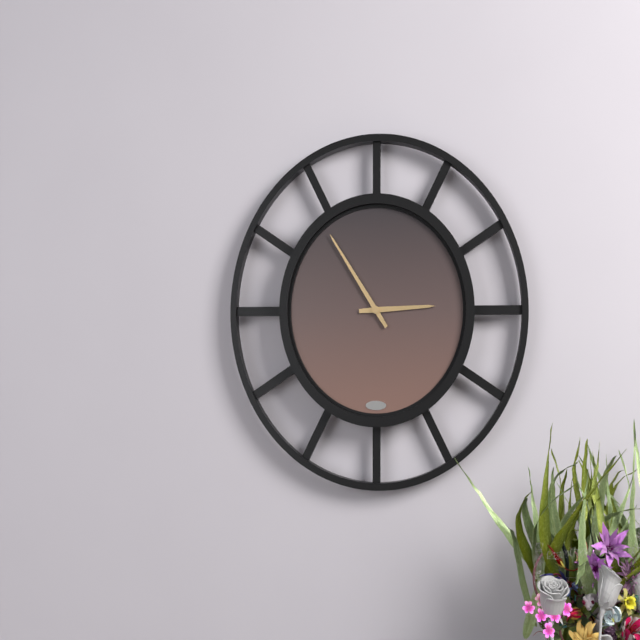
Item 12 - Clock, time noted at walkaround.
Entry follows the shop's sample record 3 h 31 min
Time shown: 2 h 54 min
